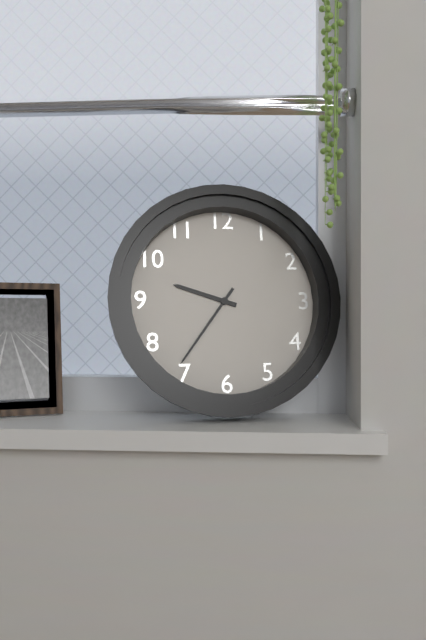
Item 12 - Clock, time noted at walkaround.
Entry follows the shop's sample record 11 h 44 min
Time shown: 9 h 36 min
